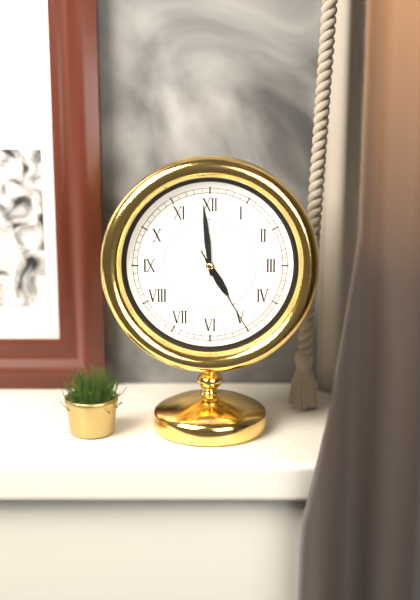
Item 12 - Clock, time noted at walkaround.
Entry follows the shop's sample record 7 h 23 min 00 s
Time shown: 4 h 59 min 25 s
